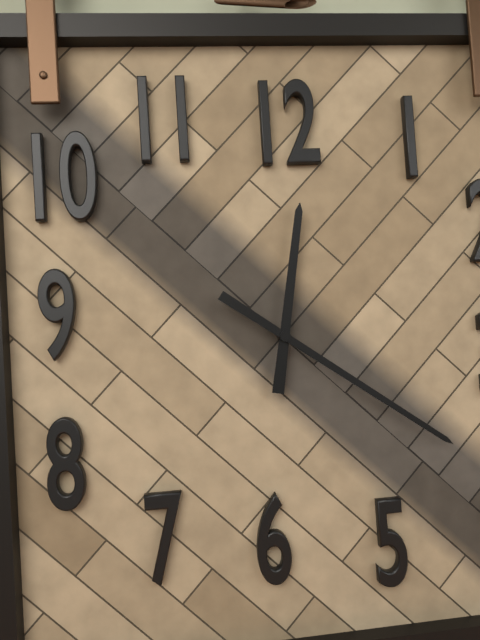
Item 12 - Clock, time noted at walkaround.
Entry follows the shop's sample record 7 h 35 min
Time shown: 12 h 21 min
